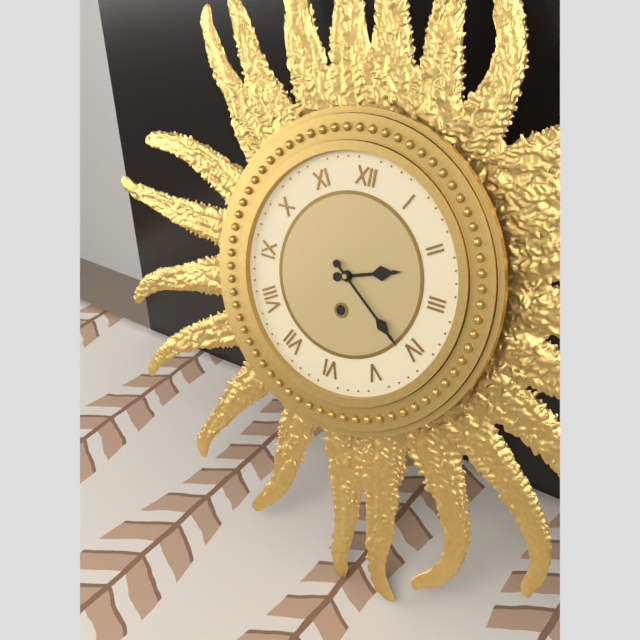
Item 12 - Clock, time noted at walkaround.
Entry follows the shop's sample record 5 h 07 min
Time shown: 2 h 21 min
